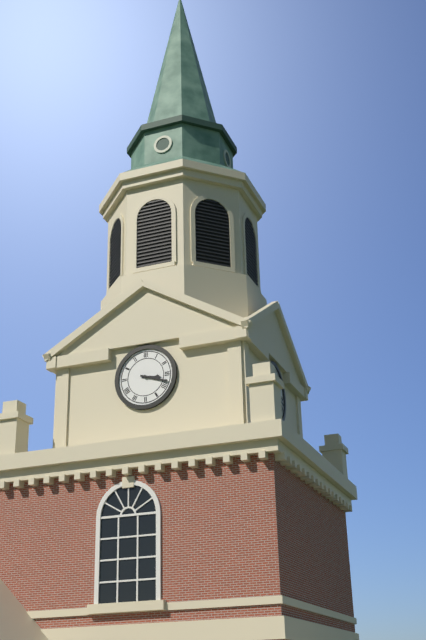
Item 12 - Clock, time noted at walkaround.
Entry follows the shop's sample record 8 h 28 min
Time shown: 3 h 18 min
